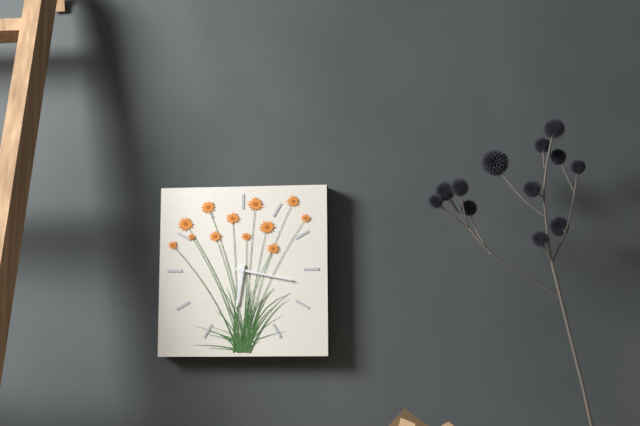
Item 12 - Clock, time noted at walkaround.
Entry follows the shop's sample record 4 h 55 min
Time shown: 6 h 17 min
